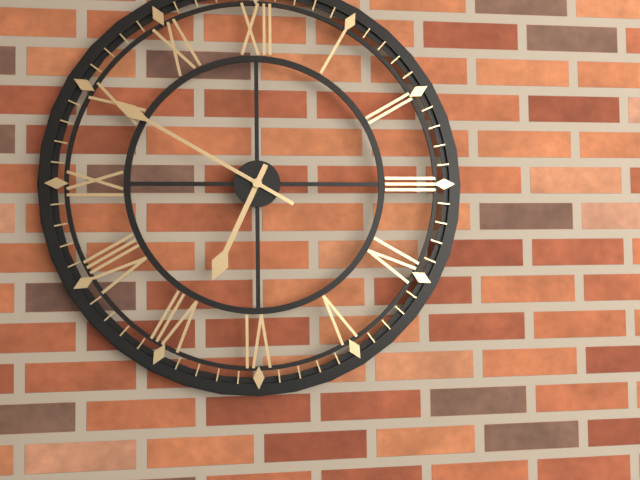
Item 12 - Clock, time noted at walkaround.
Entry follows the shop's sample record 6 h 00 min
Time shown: 6 h 50 min
